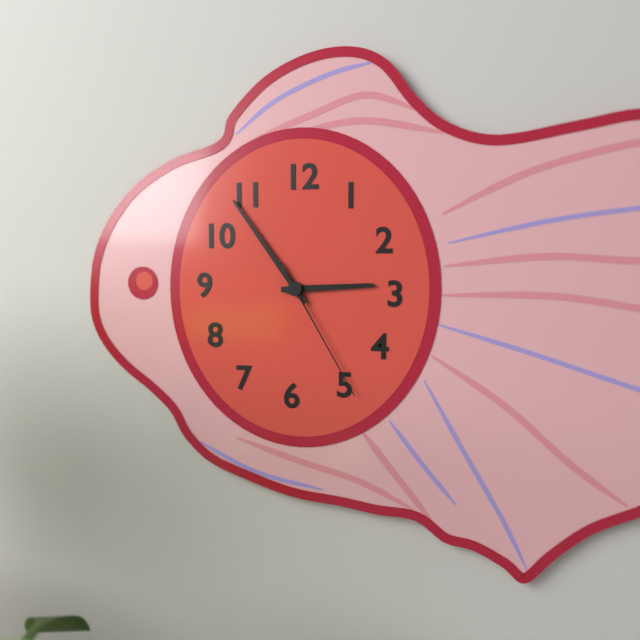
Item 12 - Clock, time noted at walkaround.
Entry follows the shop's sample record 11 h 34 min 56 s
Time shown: 2 h 54 min 25 s
